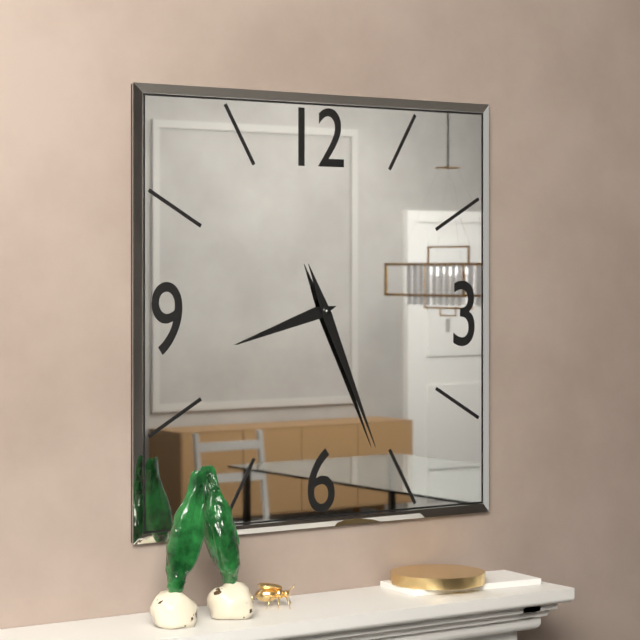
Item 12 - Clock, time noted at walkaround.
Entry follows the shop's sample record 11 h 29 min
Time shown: 8 h 26 min
